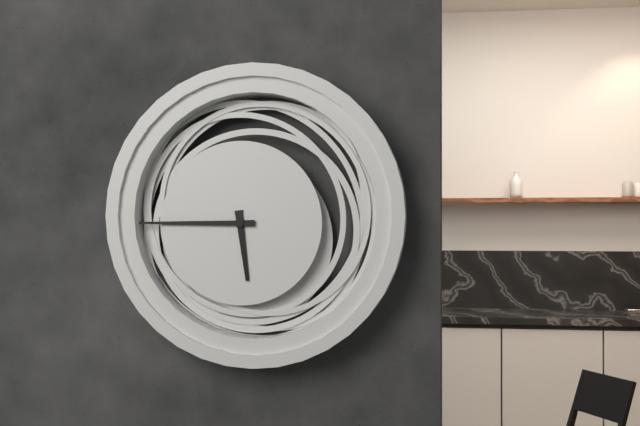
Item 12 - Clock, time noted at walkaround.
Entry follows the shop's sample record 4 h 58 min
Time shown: 5 h 45 min
